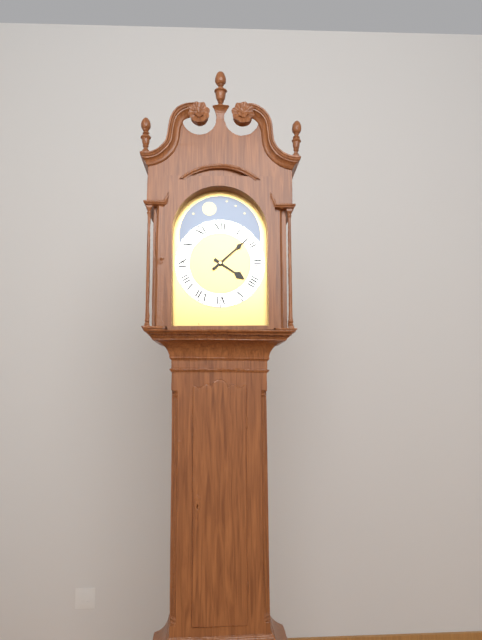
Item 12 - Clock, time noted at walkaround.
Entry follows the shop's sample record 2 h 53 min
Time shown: 4 h 08 min
